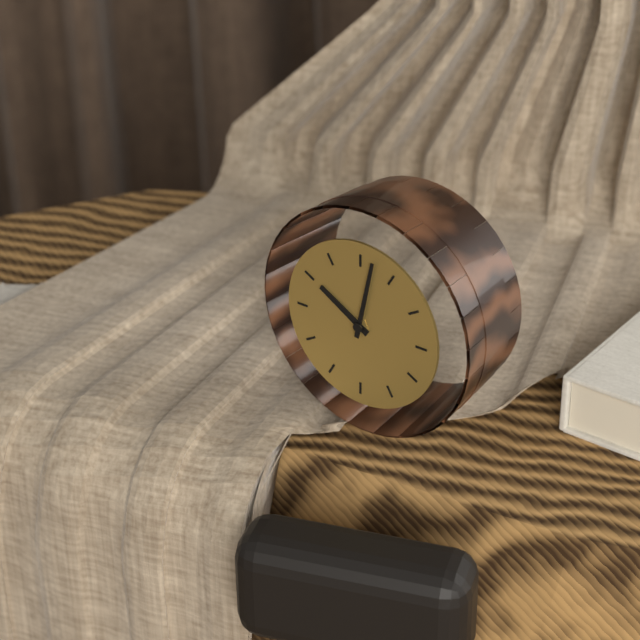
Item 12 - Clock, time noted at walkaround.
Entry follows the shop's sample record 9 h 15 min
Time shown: 10 h 02 min
